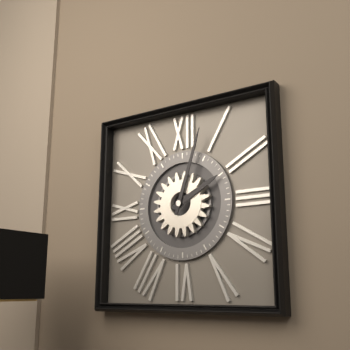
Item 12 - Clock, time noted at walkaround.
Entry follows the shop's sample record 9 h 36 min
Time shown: 2 h 03 min
